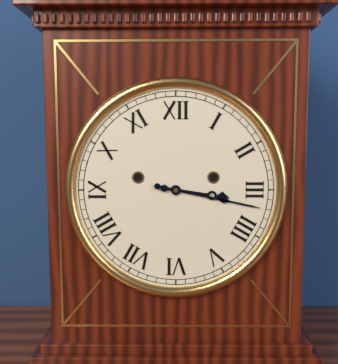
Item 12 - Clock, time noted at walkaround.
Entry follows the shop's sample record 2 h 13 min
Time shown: 3 h 17 min
